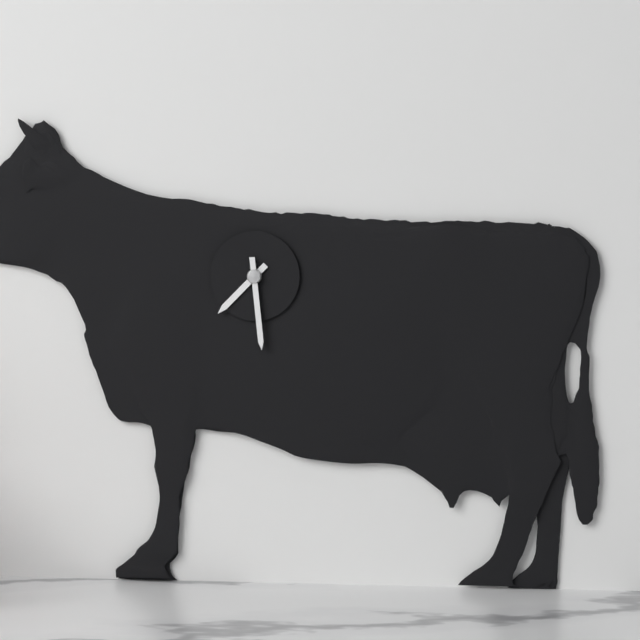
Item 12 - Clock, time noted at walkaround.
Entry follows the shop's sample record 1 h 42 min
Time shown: 7 h 29 min
